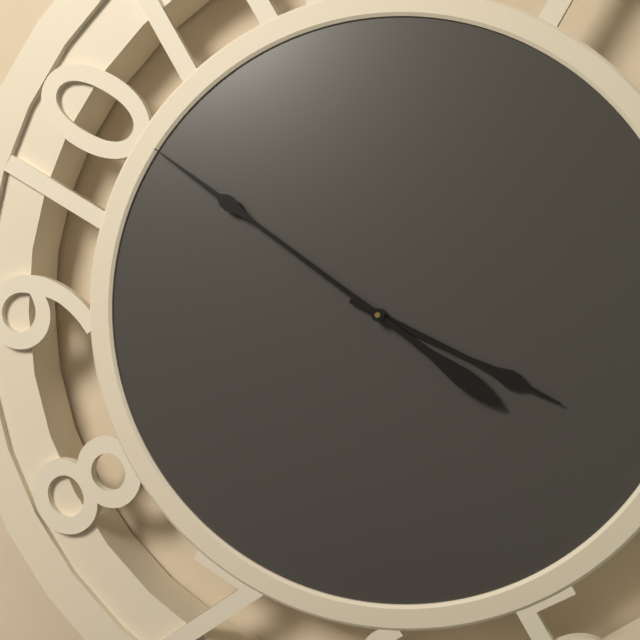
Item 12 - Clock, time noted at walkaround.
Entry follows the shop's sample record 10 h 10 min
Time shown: 3 h 51 min
